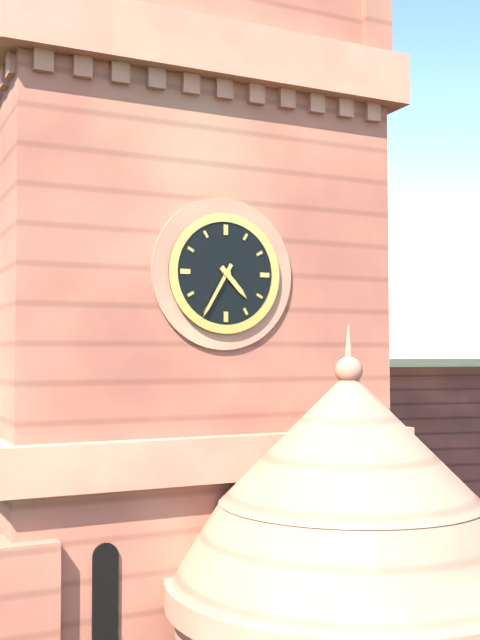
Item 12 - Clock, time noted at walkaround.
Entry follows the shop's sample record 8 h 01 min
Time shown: 4 h 35 min
